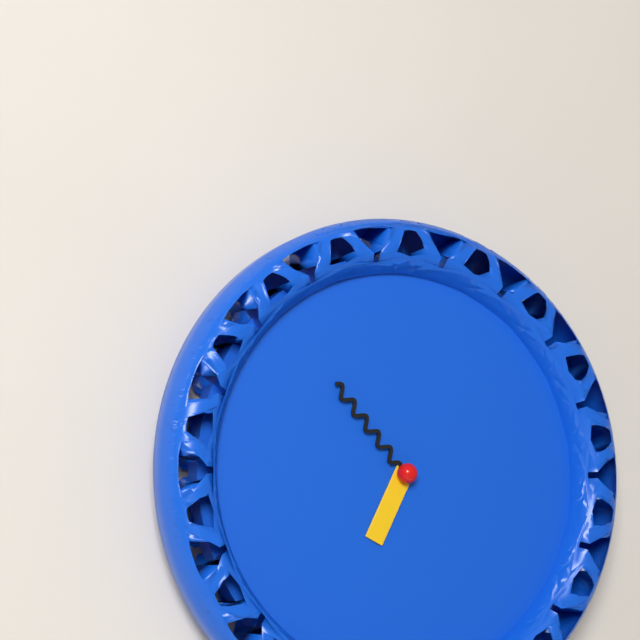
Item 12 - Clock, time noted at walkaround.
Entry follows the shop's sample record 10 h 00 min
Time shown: 6 h 53 min
